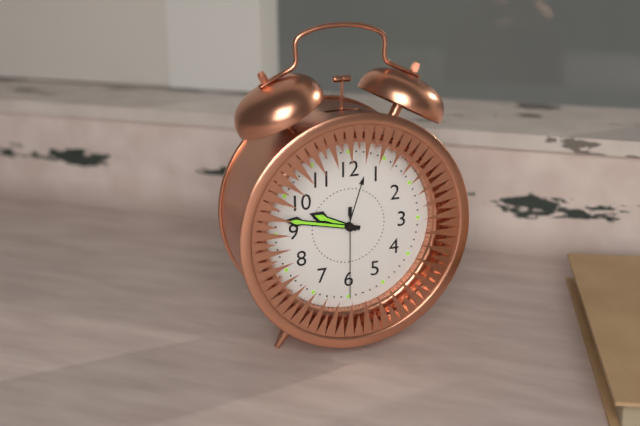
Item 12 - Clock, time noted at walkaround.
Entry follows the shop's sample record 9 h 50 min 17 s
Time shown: 9 h 47 min 30 s
